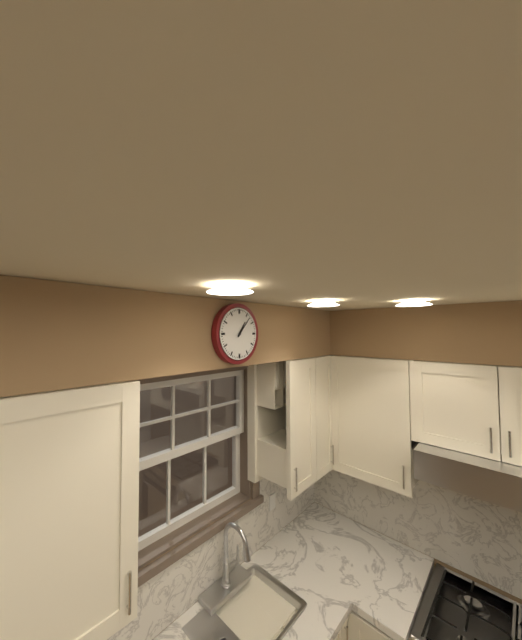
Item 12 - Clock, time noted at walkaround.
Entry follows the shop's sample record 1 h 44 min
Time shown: 1 h 07 min
